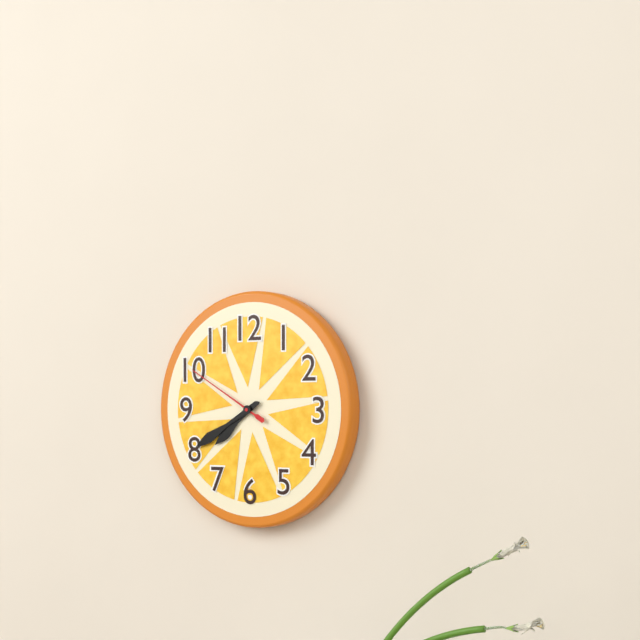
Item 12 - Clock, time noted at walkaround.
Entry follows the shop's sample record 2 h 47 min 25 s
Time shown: 7 h 40 min 50 s
